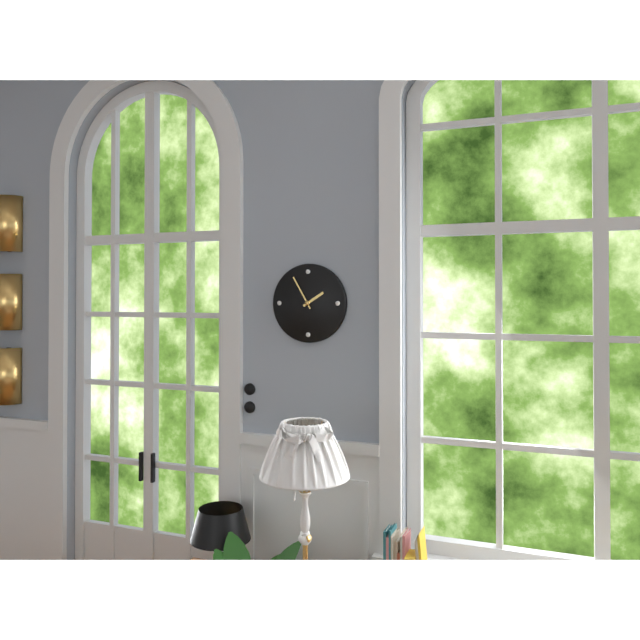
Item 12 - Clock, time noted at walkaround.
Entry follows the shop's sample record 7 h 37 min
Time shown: 1 h 55 min
